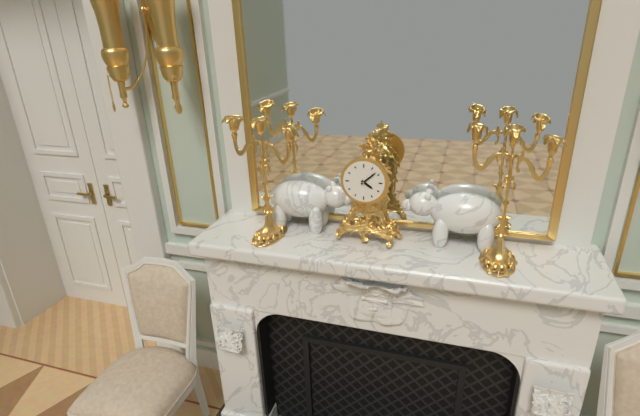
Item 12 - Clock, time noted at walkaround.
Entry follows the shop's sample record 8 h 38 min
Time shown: 4 h 08 min
